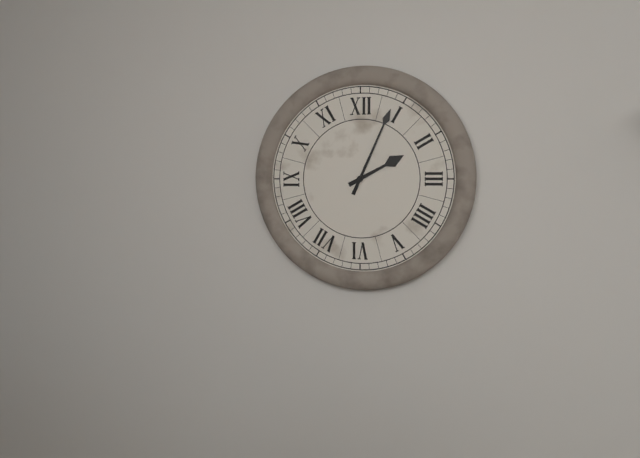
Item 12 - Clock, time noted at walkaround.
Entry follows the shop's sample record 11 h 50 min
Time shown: 2 h 04 min
